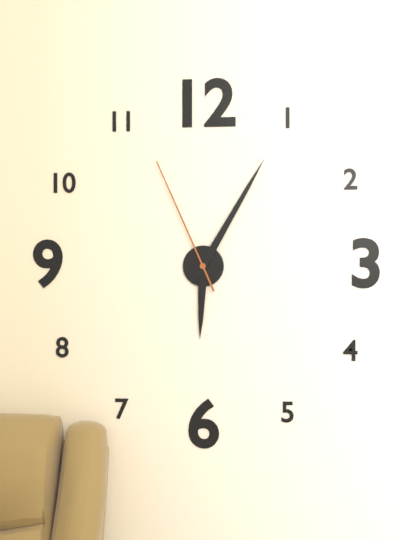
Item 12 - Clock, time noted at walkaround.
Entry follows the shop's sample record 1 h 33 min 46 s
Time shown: 6 h 05 min 56 s
